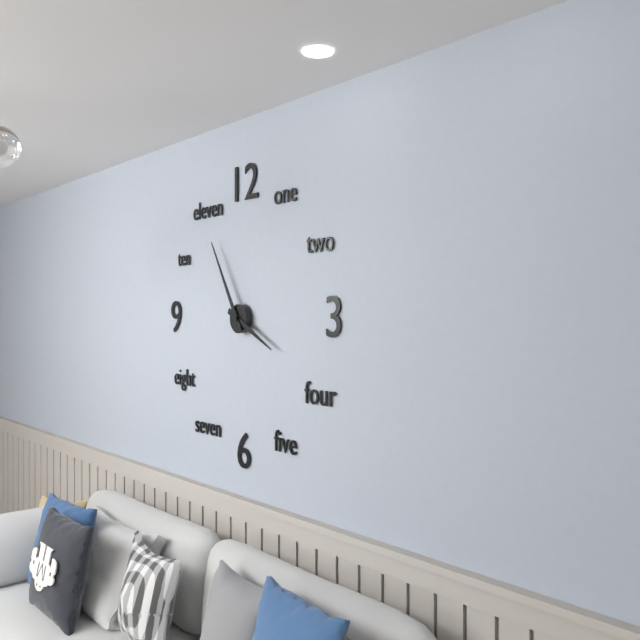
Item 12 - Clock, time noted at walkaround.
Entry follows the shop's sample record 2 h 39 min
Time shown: 3 h 55 min
